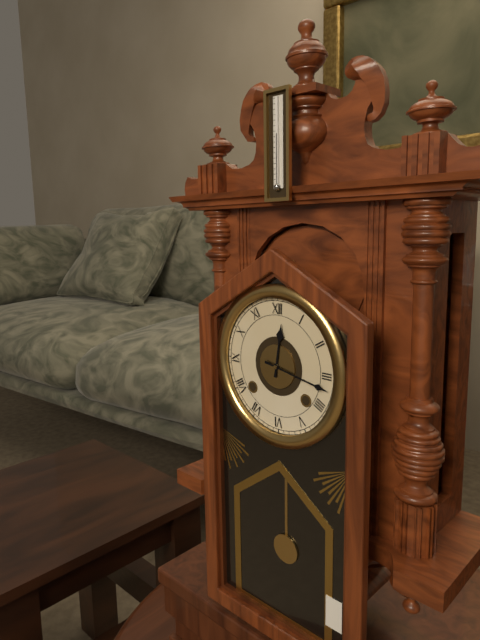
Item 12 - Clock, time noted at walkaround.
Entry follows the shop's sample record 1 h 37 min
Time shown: 12 h 17 min
